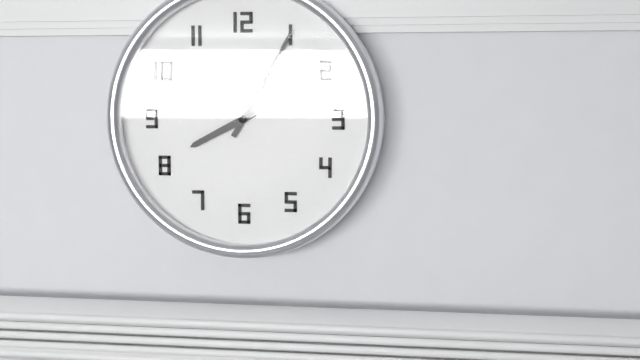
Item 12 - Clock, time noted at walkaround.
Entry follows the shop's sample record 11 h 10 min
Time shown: 8 h 05 min
